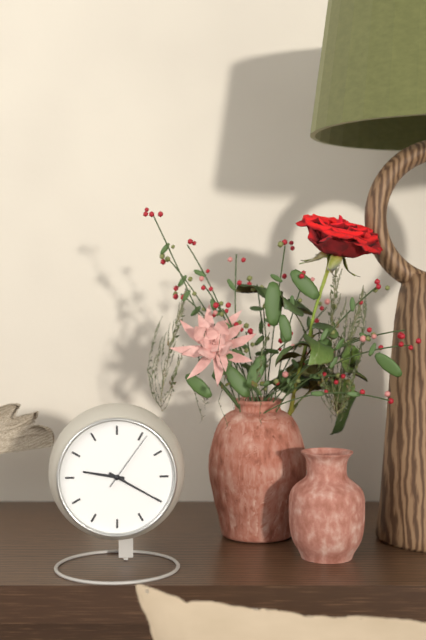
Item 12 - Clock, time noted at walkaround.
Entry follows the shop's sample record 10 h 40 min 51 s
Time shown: 9 h 20 min 06 s
